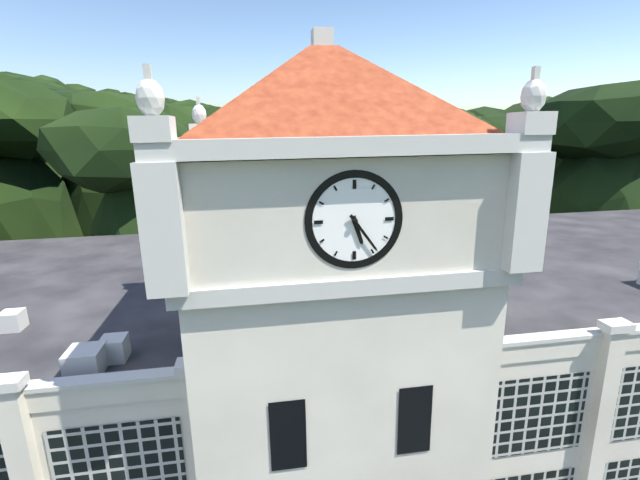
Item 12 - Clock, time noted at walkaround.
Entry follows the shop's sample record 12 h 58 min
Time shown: 5 h 24 min
